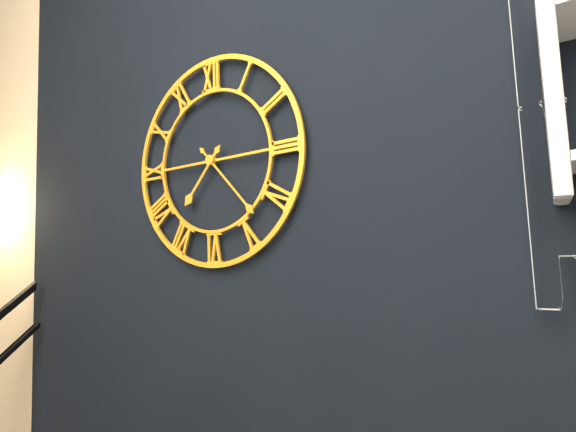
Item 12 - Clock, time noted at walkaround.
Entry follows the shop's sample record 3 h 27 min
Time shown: 7 h 23 min
